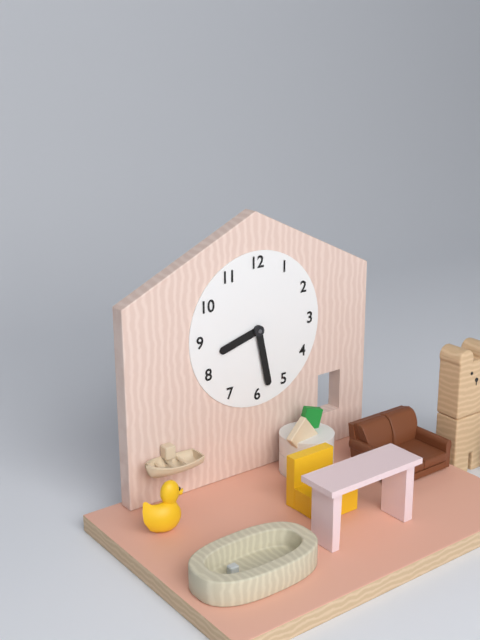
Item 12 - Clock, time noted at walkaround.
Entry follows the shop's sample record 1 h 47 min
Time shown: 8 h 28 min
